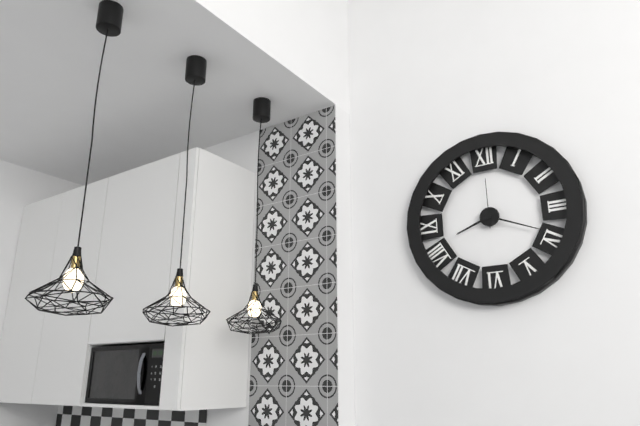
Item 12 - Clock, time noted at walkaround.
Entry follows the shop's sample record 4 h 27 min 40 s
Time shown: 8 h 19 min 00 s
